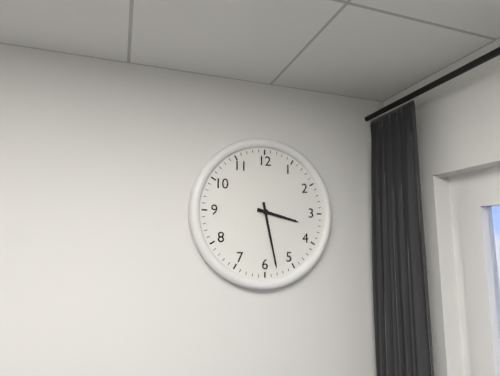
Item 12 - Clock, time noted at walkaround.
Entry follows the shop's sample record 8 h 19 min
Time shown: 3 h 28 min
